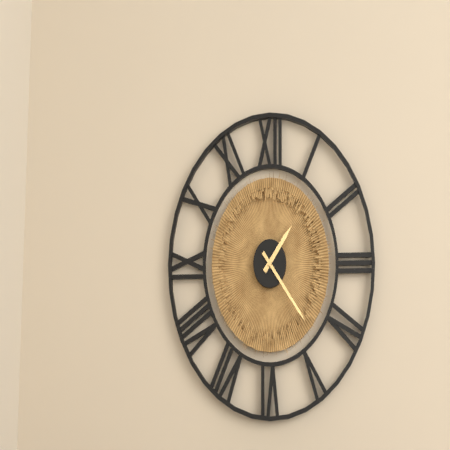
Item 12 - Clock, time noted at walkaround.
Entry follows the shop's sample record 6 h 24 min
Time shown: 1 h 23 min
